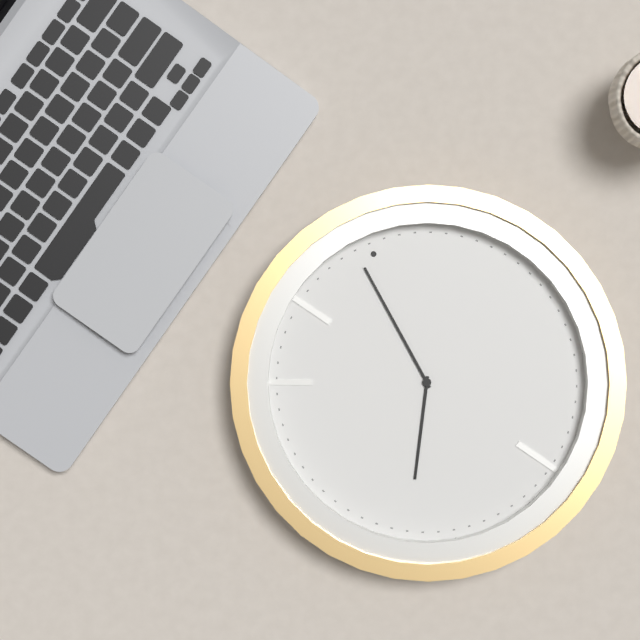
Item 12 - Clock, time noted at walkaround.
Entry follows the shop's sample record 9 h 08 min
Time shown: 6 h 59 min
